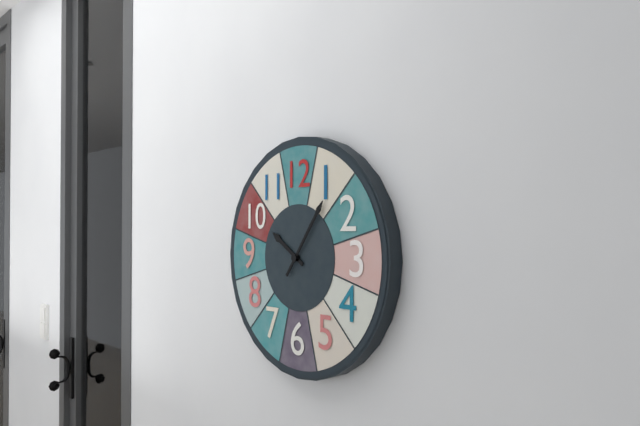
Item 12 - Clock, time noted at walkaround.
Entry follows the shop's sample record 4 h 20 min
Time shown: 10 h 06 min
